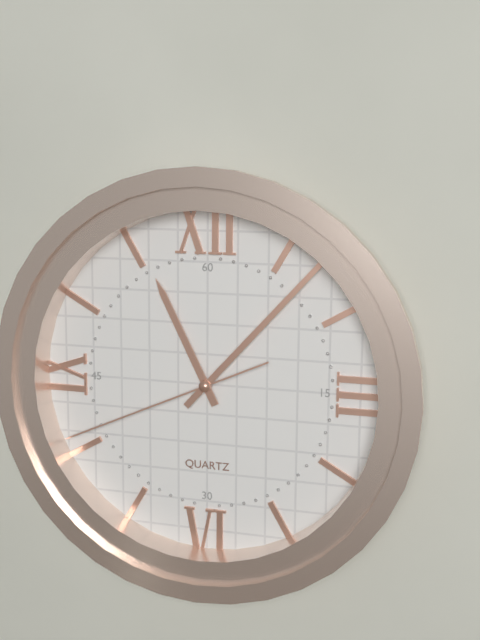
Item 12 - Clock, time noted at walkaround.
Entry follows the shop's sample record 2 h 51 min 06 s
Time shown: 11 h 07 min 41 s
